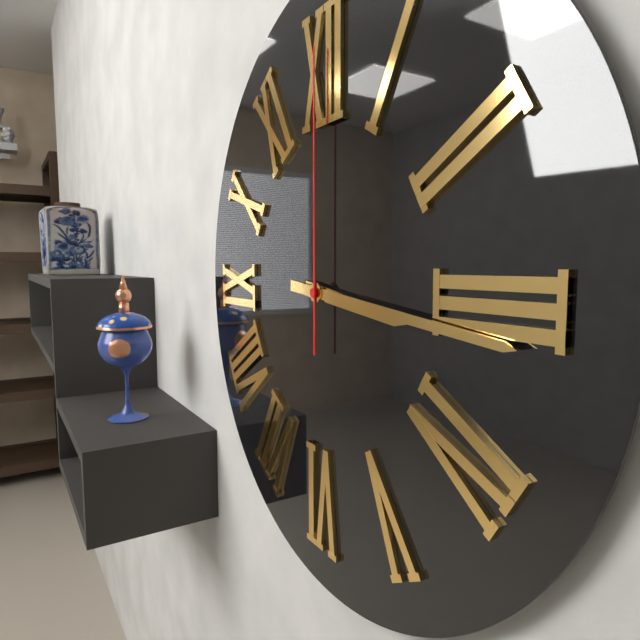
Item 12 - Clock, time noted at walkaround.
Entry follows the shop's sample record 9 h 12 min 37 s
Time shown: 3 h 16 min 00 s
